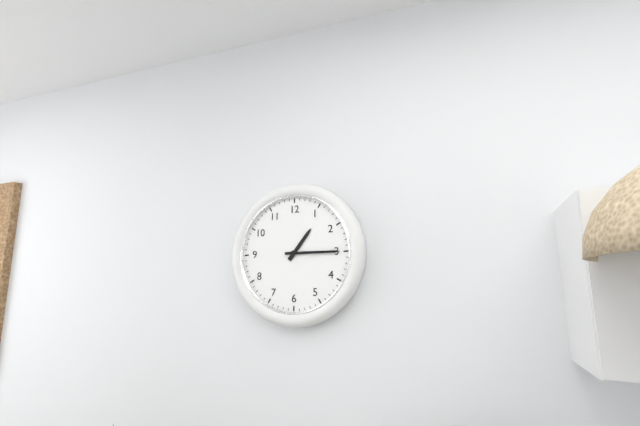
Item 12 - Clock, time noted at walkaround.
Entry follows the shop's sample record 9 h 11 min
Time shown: 1 h 15 min
